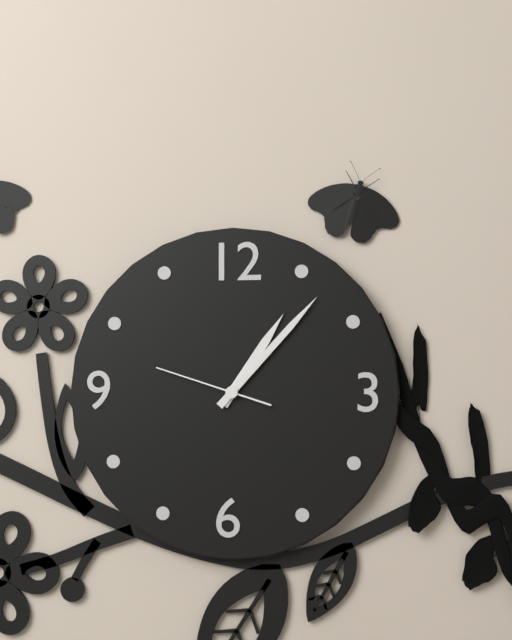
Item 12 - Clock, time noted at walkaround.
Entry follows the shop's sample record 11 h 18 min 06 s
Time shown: 1 h 07 min 48 s
